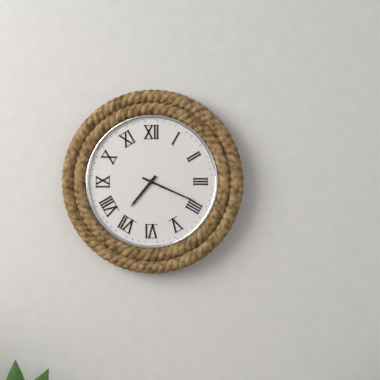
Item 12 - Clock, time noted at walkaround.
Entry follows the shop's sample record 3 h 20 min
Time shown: 7 h 19 min
